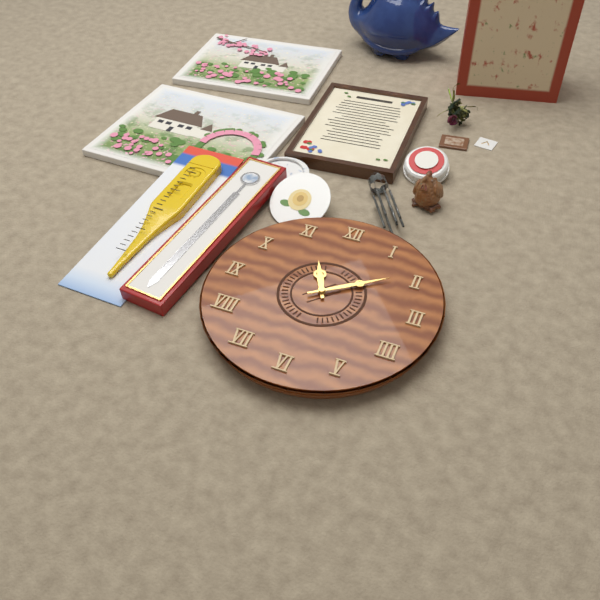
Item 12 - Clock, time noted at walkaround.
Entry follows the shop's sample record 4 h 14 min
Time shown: 11 h 09 min
